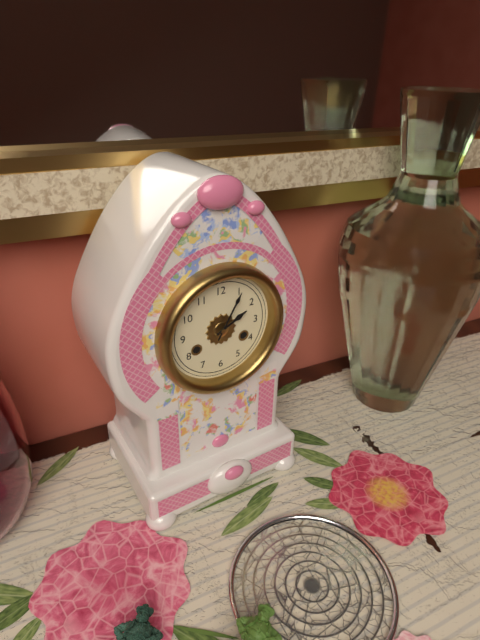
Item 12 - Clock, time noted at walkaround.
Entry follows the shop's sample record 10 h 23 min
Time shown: 2 h 05 min
